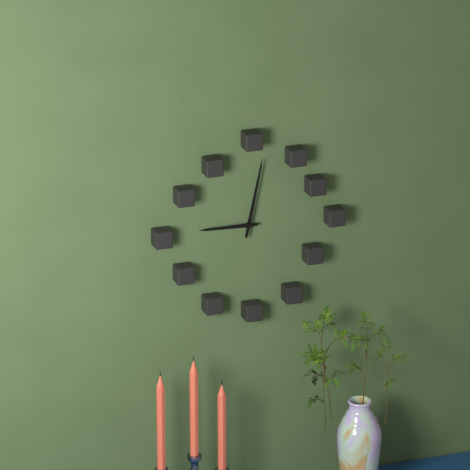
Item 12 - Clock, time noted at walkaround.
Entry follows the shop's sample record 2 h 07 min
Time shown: 9 h 02 min
